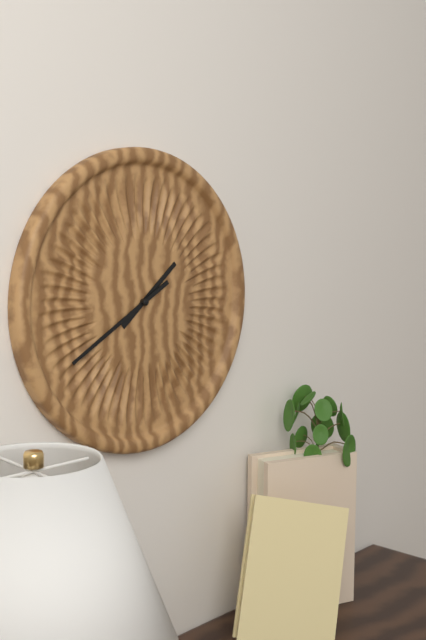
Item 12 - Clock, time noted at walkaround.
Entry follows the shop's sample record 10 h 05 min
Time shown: 1 h 40 min
